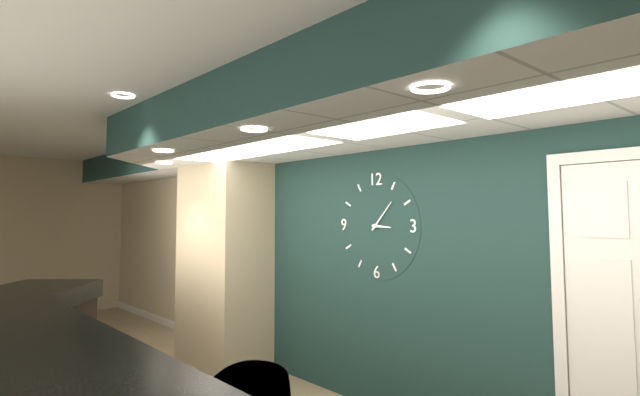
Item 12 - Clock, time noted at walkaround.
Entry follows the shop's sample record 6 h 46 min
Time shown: 3 h 07 min
